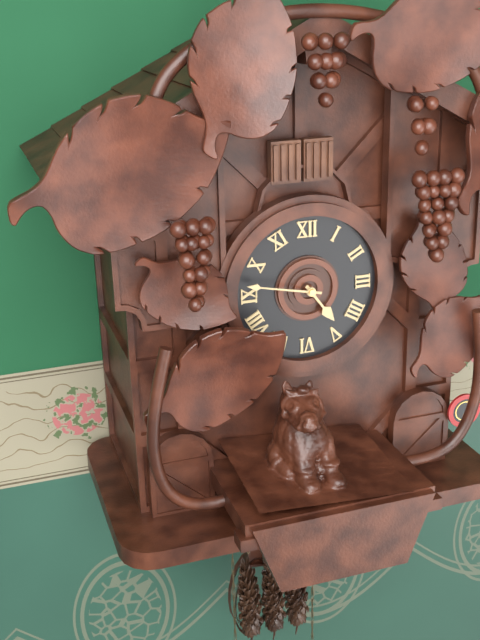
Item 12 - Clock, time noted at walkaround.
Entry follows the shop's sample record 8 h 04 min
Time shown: 4 h 47 min
